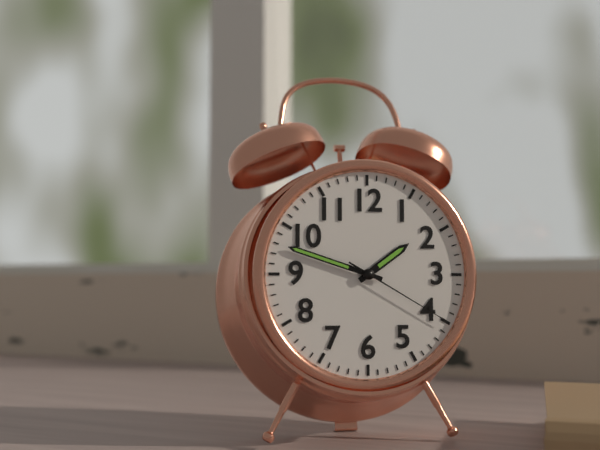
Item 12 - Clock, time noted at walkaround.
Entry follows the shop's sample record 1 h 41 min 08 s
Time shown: 1 h 48 min 20 s
